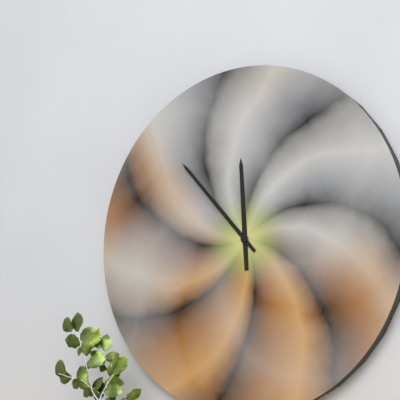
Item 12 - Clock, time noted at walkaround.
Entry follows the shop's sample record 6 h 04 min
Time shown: 11 h 53 min
